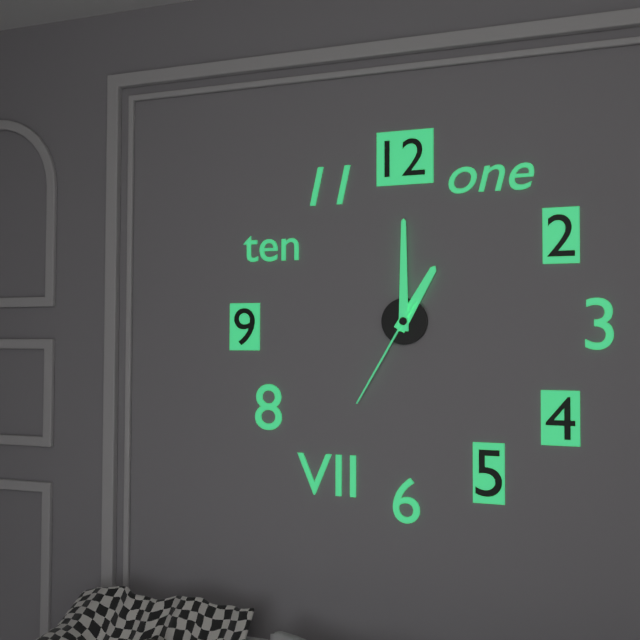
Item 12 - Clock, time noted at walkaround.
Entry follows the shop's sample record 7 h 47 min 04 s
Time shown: 1 h 00 min 35 s
